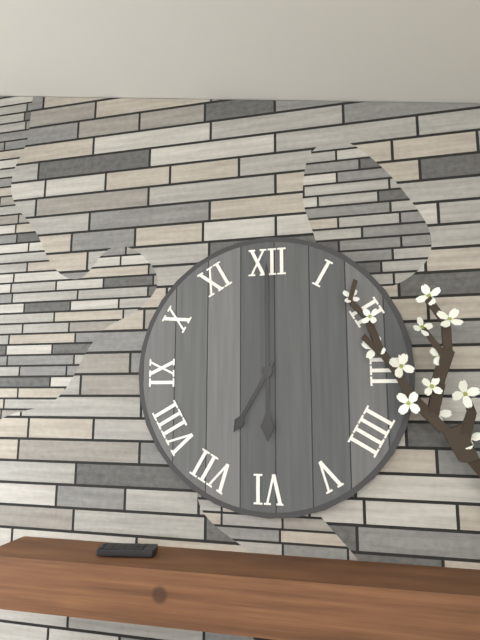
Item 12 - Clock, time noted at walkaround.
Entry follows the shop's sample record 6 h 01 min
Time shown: 7 h 00 min
